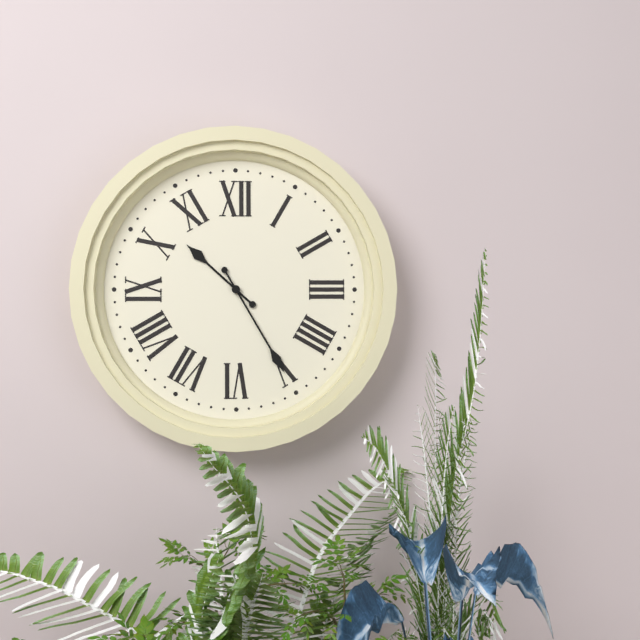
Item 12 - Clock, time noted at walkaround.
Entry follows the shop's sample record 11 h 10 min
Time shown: 10 h 25 min
